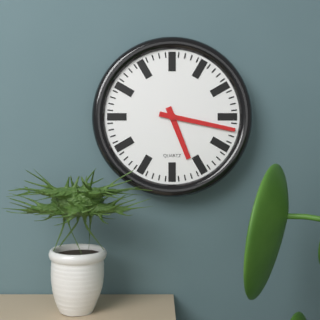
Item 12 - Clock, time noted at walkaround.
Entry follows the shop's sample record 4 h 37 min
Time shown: 5 h 17 min
